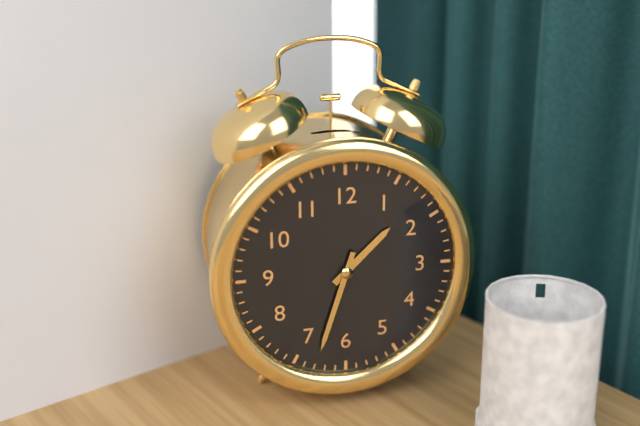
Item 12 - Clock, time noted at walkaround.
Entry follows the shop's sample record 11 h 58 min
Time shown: 1 h 33 min
